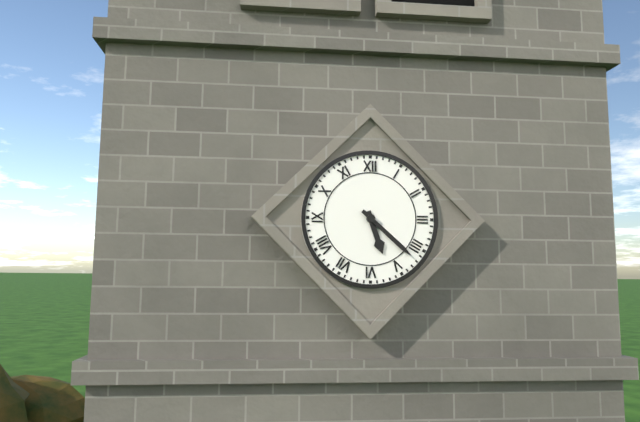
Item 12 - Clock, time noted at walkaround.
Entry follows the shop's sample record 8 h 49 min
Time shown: 5 h 22 min
